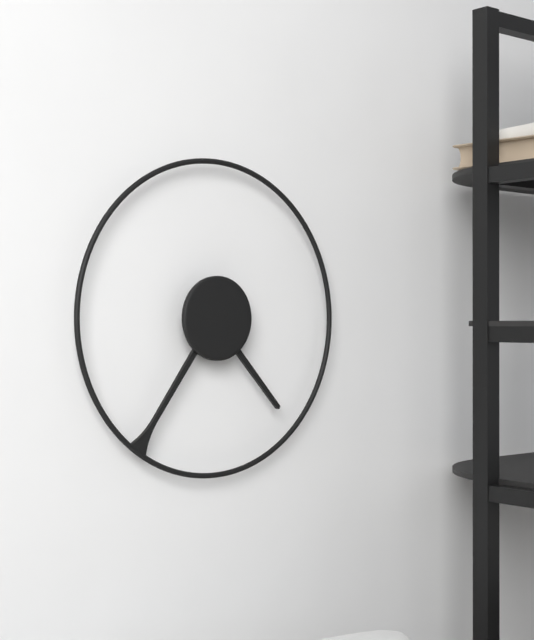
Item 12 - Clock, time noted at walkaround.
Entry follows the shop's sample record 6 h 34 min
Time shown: 4 h 36 min
